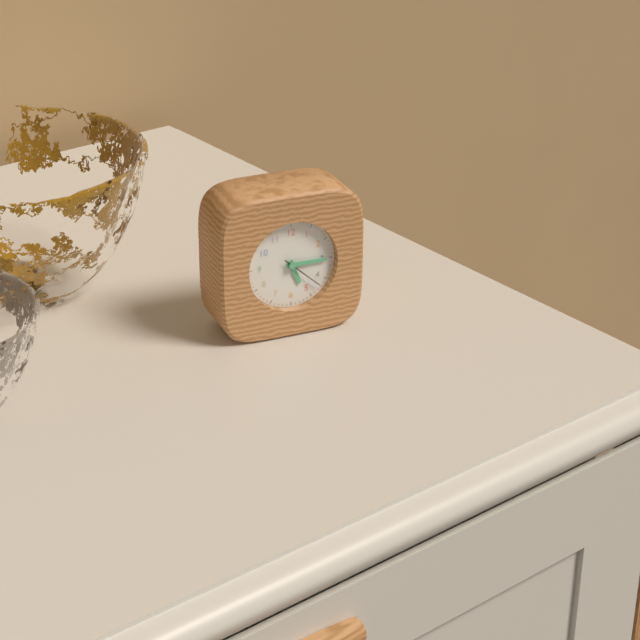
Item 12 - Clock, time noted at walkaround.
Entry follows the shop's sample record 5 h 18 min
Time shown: 5 h 15 min
